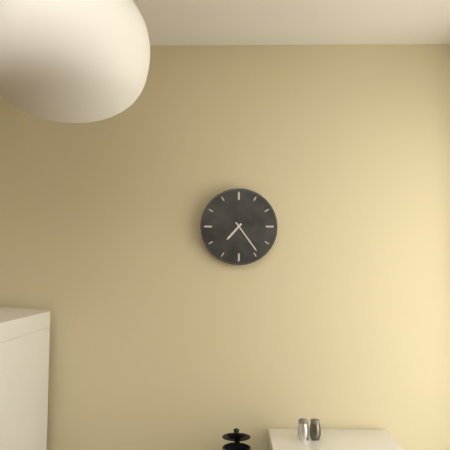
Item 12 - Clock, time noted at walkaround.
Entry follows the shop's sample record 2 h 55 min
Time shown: 7 h 24 min
